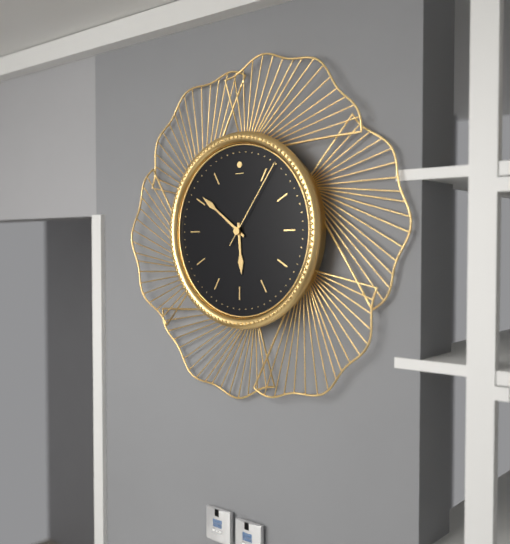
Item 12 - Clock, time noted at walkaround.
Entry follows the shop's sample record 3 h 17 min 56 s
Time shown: 5 h 51 min 06 s
